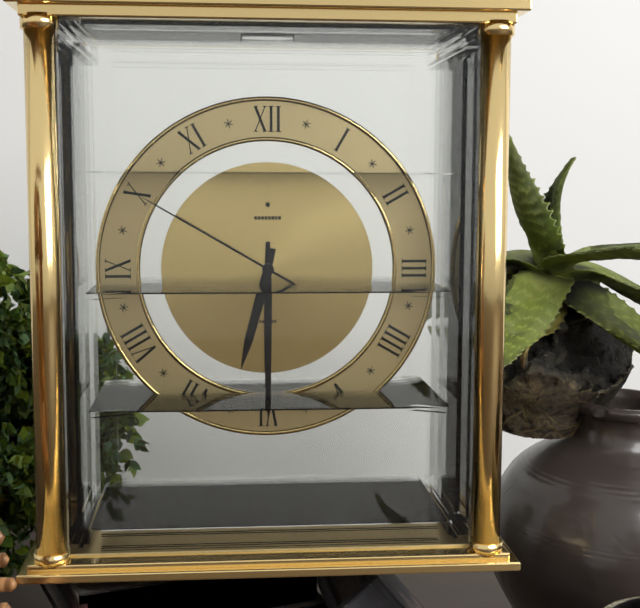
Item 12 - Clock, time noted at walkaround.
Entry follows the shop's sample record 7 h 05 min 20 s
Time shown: 6 h 30 min 50 s
